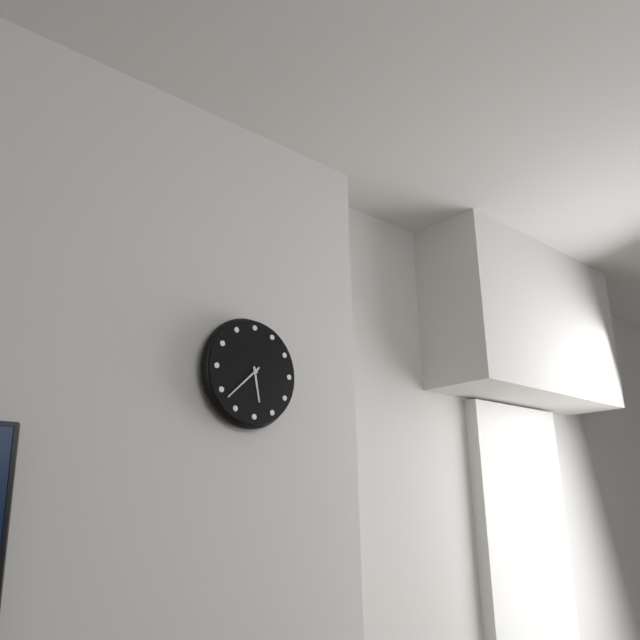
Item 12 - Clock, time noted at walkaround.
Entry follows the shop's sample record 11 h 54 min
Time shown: 5 h 38 min
